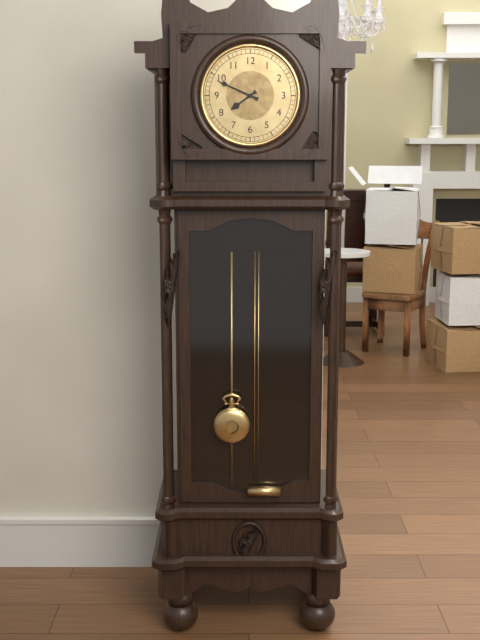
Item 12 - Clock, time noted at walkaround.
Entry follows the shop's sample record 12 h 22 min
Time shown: 7 h 49 min
